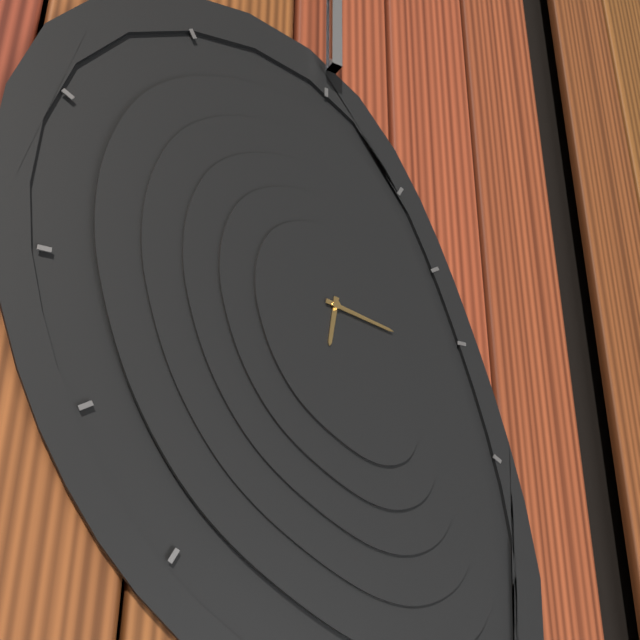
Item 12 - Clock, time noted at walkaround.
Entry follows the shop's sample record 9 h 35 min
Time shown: 6 h 17 min
